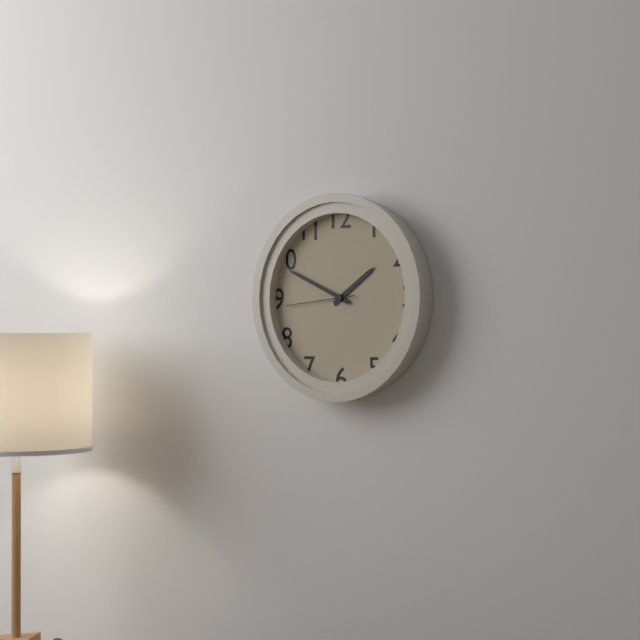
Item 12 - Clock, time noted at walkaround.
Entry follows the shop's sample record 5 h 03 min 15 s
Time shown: 1 h 49 min 44 s
